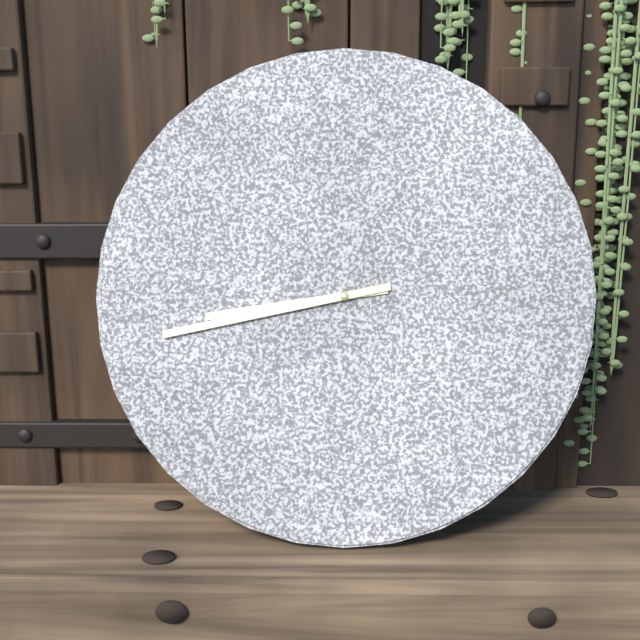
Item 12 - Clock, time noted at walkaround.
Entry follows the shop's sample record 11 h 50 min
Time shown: 8 h 43 min
